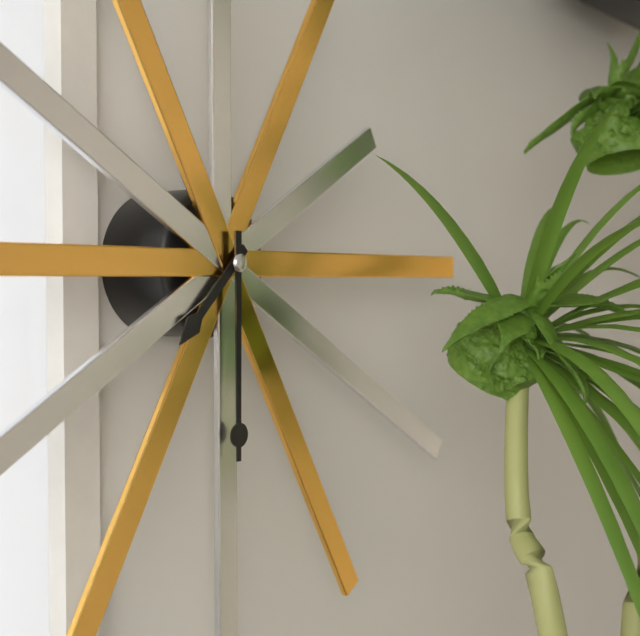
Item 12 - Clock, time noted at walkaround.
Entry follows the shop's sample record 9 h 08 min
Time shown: 7 h 30 min
